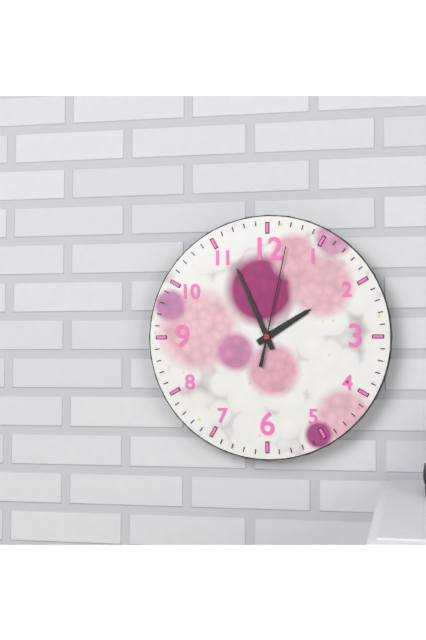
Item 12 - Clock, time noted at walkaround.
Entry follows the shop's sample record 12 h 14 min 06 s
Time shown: 1 h 56 min 02 s
